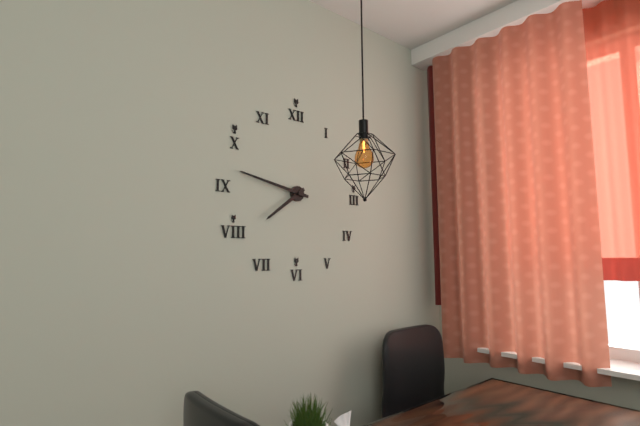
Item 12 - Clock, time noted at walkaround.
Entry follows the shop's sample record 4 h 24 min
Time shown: 7 h 47 min
